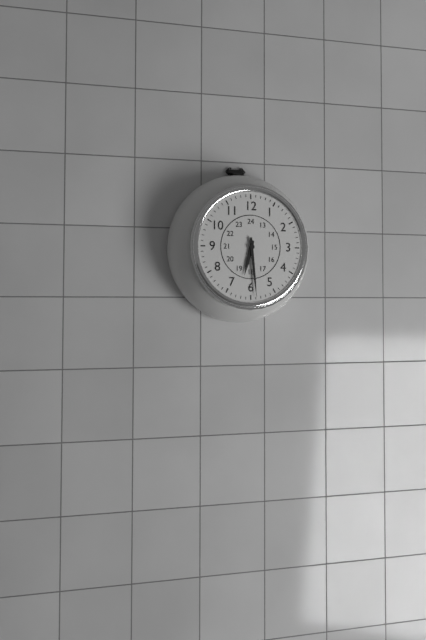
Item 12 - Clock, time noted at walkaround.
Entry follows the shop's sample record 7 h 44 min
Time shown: 6 h 29 min
